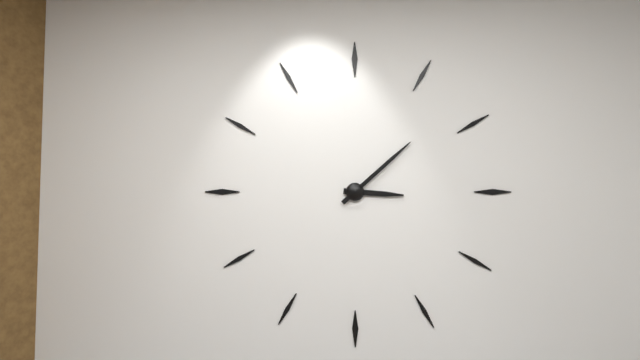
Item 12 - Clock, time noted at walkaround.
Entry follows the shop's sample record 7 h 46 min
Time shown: 3 h 08 min
